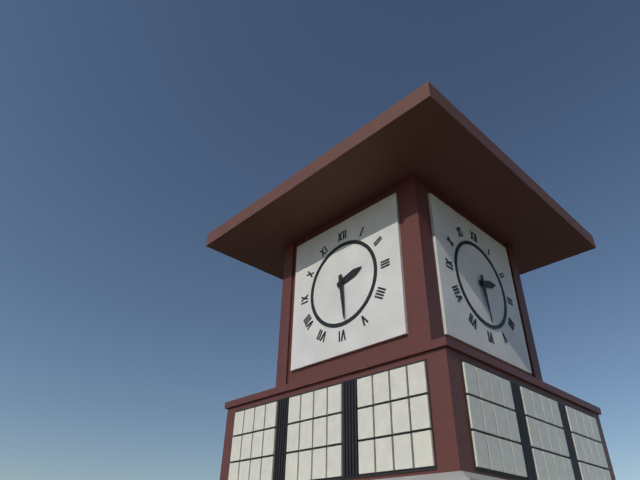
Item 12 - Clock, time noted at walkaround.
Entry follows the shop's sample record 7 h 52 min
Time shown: 2 h 29 min
